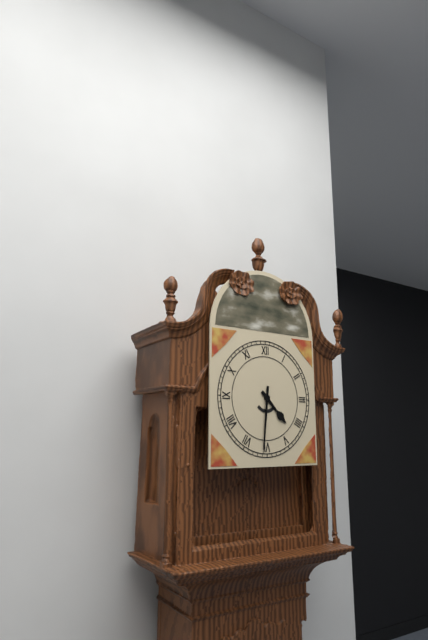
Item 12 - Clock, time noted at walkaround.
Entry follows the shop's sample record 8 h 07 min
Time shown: 4 h 31 min
